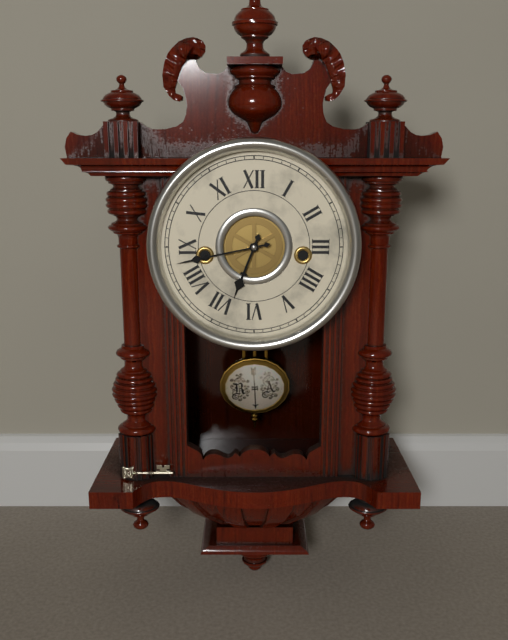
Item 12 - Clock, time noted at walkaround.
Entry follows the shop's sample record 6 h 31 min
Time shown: 6 h 43 min
